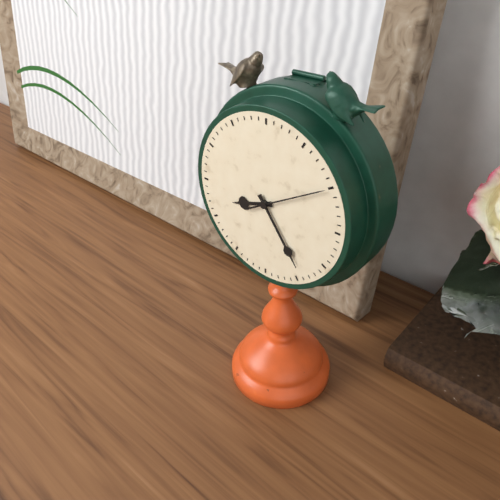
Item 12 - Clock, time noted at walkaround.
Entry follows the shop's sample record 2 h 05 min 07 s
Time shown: 8 h 24 min 10 s
